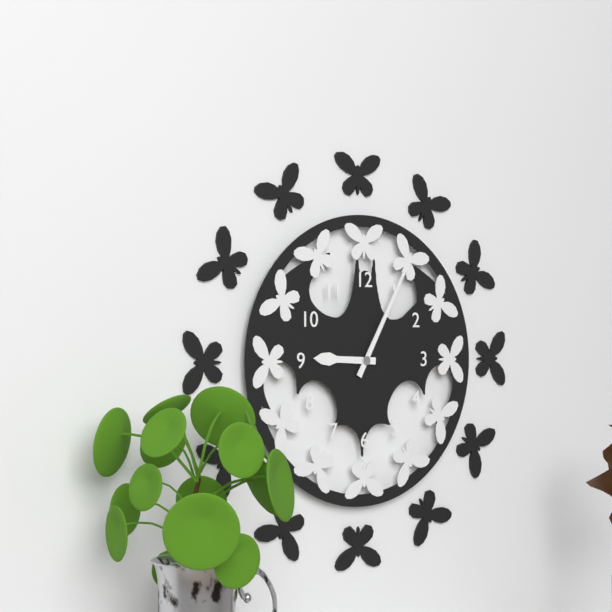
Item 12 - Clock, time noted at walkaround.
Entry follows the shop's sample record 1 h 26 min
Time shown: 9 h 05 min
